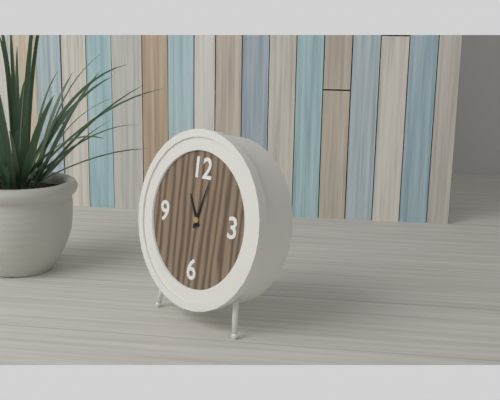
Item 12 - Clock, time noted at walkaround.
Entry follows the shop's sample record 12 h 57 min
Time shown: 11 h 03 min
